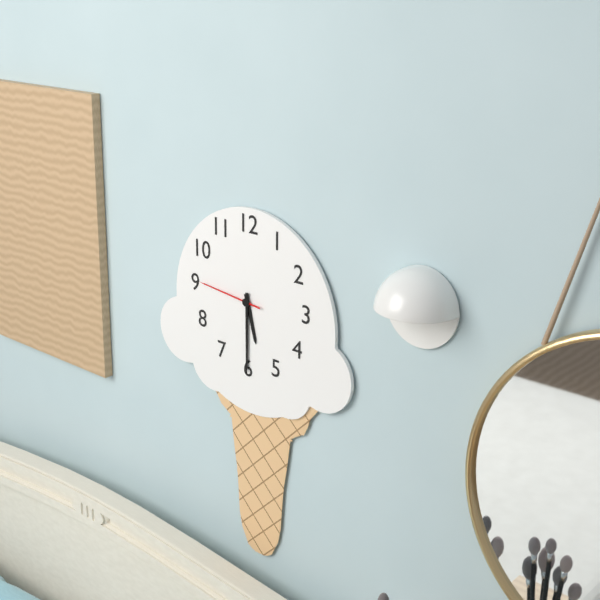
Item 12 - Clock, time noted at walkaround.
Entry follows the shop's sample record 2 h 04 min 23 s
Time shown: 5 h 30 min 46 s
